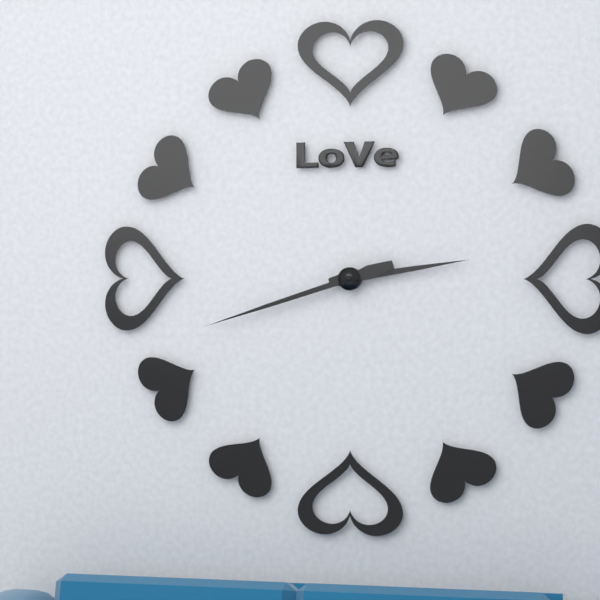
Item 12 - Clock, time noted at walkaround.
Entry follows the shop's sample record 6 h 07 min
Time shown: 2 h 42 min
